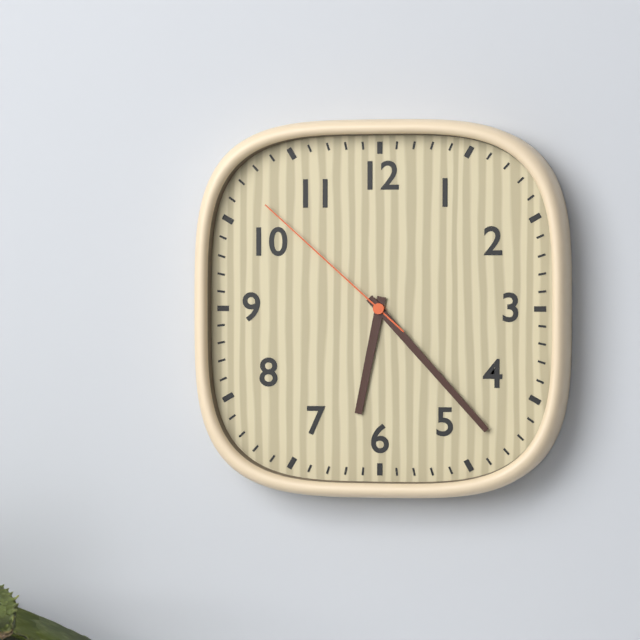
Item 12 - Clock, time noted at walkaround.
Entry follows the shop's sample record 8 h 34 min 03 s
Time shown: 6 h 23 min 52 s
